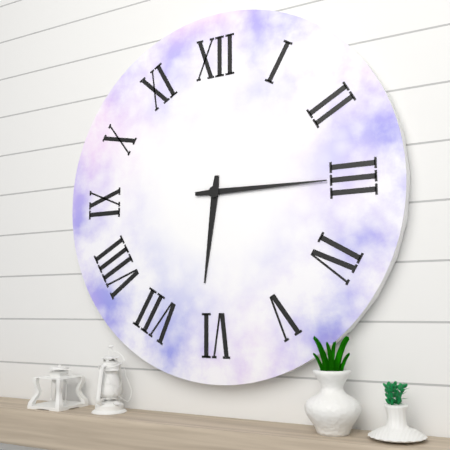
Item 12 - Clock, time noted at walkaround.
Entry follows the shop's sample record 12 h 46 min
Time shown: 6 h 15 min
